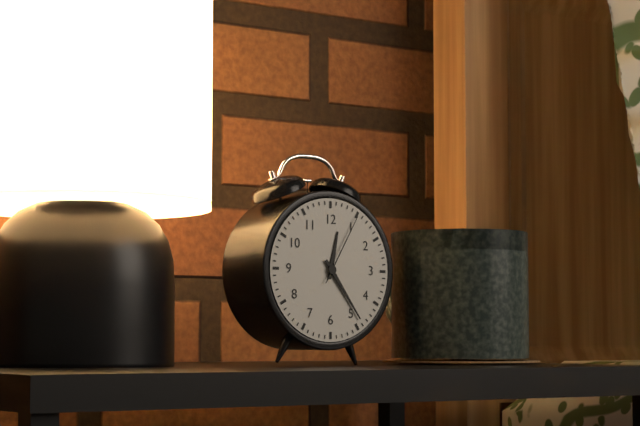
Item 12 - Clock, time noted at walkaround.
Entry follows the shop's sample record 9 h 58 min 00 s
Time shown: 12 h 24 min 05 s
